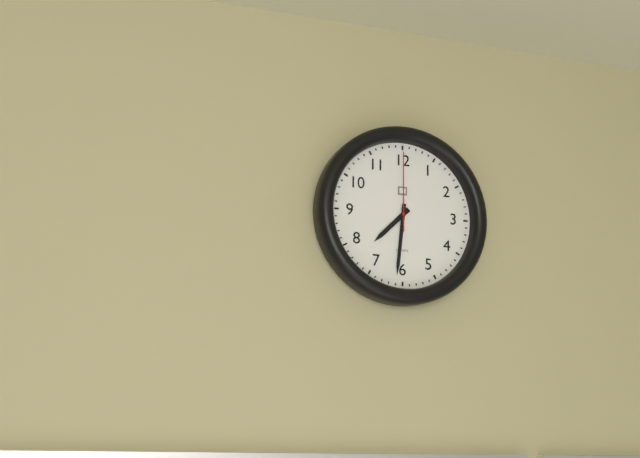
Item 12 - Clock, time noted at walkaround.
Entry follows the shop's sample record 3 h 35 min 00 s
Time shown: 7 h 31 min 00 s
